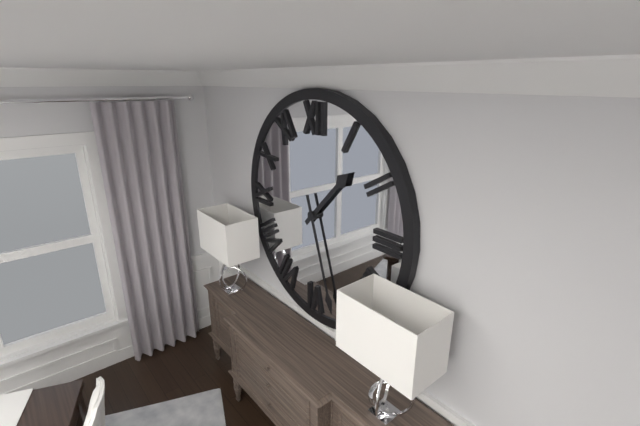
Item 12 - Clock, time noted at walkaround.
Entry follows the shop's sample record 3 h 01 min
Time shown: 1 h 27 min
